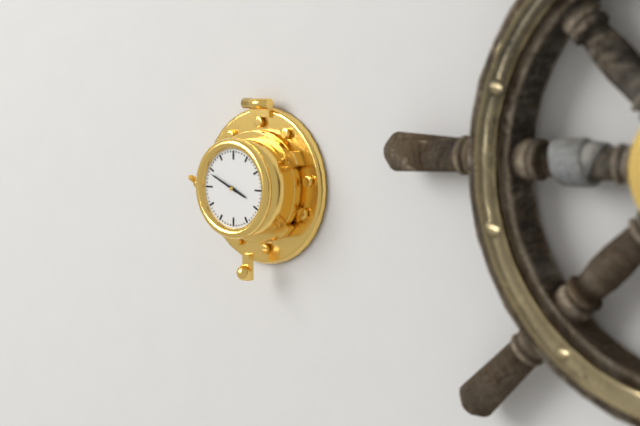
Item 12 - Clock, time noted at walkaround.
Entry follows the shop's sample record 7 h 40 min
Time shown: 3 h 49 min
